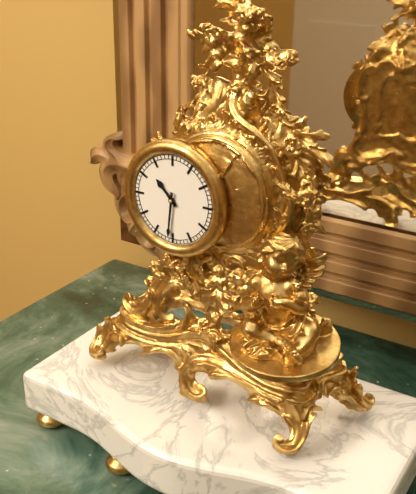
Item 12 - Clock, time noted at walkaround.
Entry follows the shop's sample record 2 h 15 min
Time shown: 10 h 31 min
